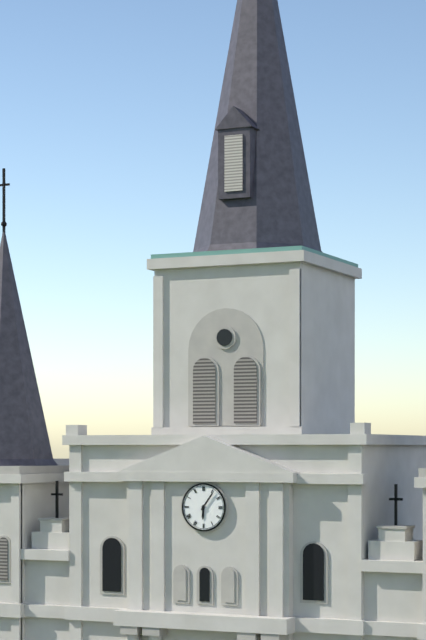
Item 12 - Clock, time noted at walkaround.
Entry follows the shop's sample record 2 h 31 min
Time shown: 6 h 06 min
